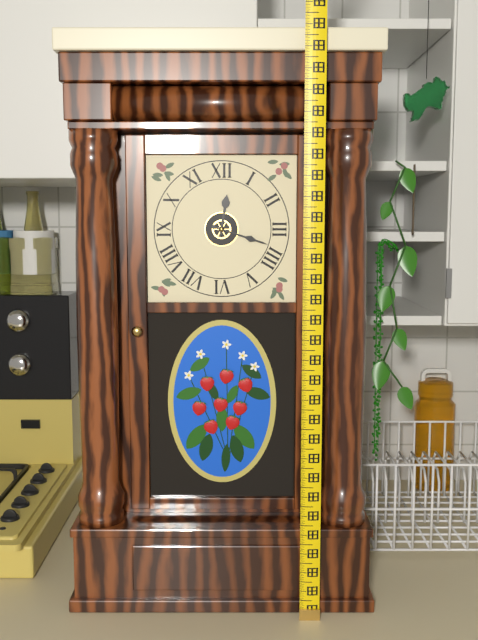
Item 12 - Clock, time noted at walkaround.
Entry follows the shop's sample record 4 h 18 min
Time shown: 12 h 18 min
